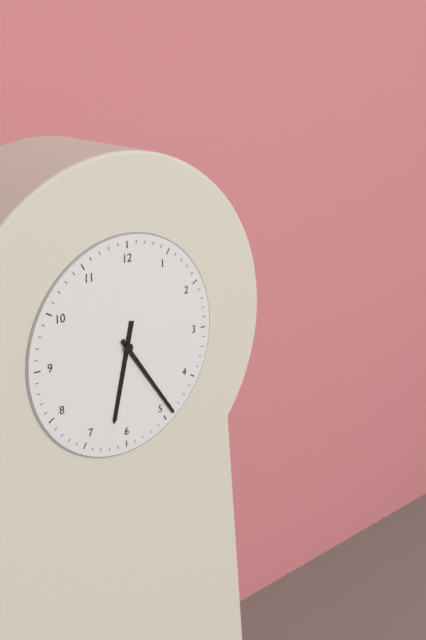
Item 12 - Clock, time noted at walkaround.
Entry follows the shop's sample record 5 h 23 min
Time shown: 6 h 24 min
